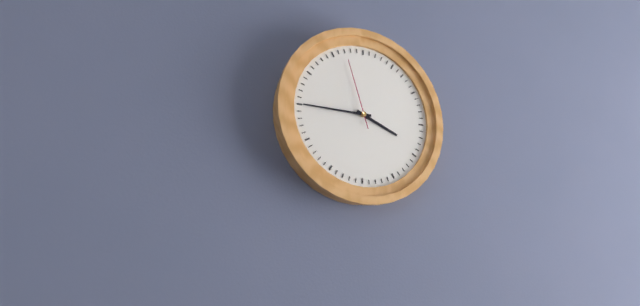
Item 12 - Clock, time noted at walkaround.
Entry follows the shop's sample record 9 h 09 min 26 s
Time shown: 3 h 45 min 57 s
